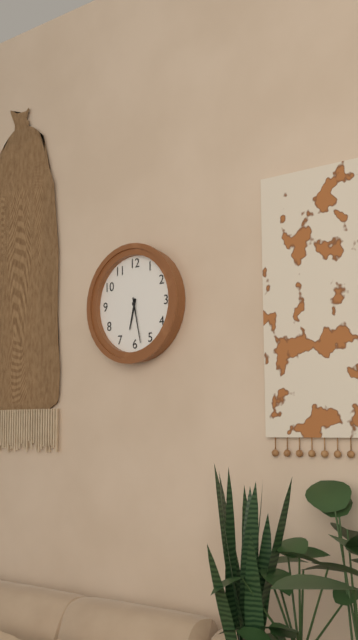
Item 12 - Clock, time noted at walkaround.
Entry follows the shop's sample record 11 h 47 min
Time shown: 6 h 28 min
